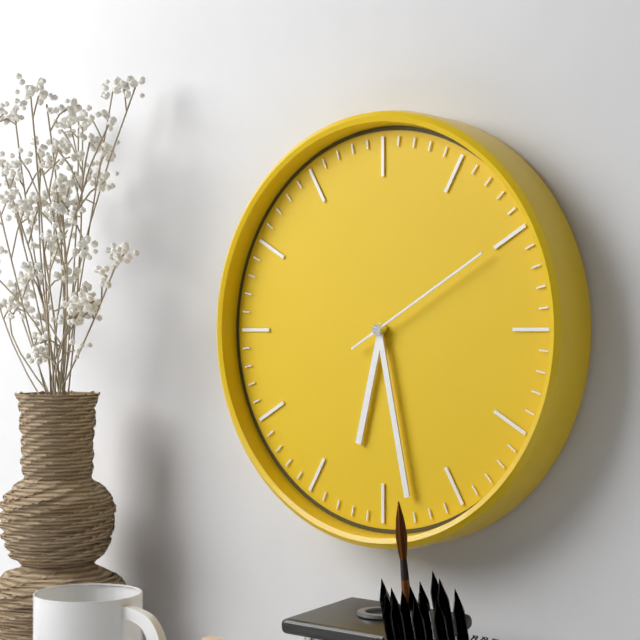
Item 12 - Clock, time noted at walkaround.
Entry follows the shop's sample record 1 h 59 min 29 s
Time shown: 6 h 28 min 10 s
